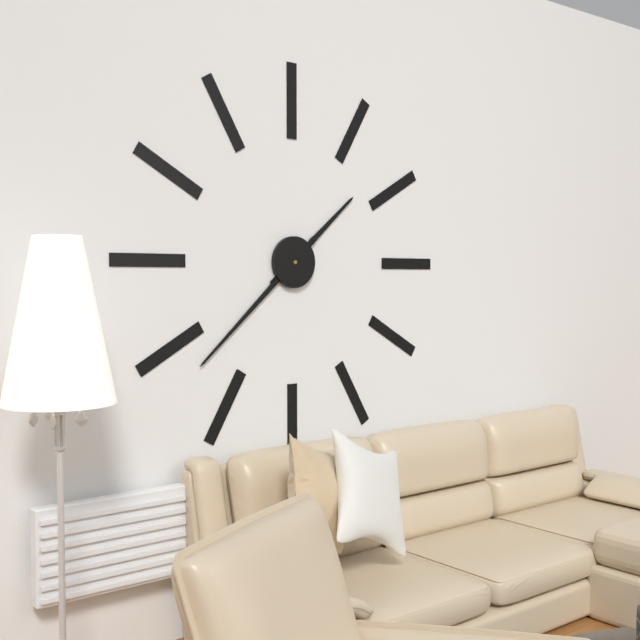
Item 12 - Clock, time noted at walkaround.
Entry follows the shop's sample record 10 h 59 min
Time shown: 1 h 38 min
